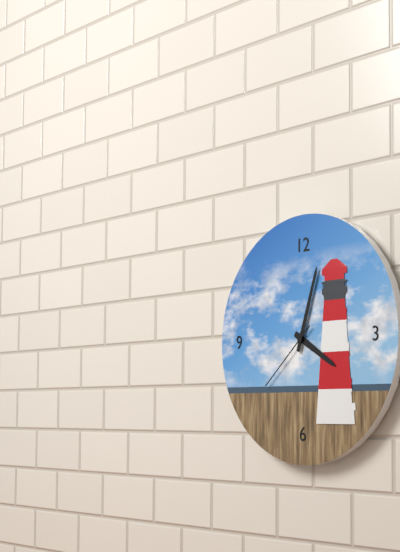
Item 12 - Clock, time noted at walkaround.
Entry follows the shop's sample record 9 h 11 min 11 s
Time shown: 4 h 03 min 38 s
